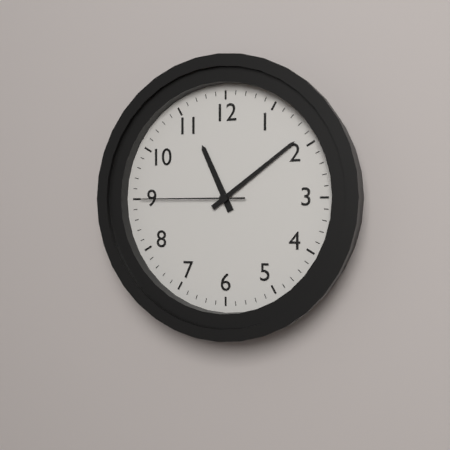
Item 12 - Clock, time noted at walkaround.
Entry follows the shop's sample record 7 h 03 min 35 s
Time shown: 11 h 09 min 45 s
